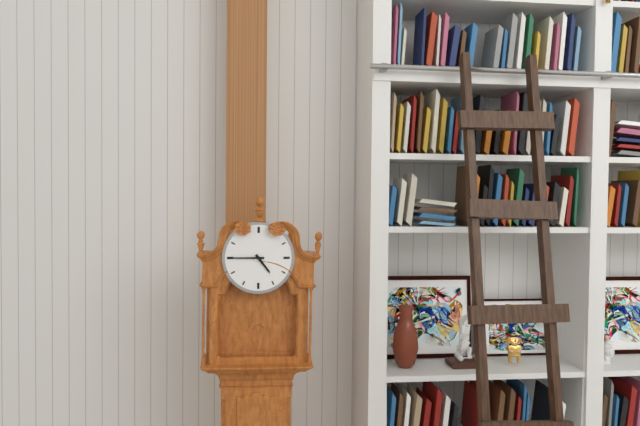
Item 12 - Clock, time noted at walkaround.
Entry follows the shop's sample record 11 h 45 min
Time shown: 4 h 45 min
